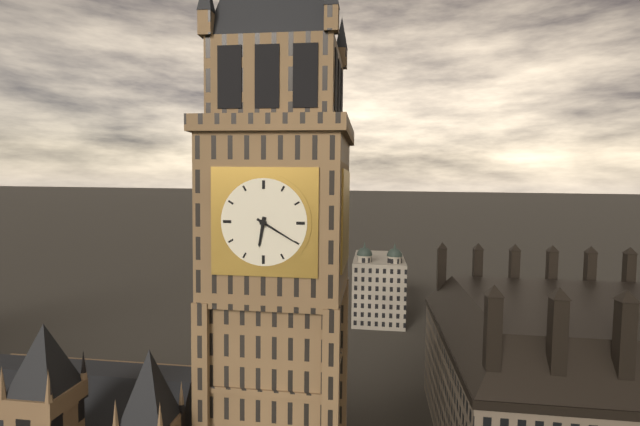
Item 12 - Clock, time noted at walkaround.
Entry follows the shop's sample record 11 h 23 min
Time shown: 6 h 20 min
